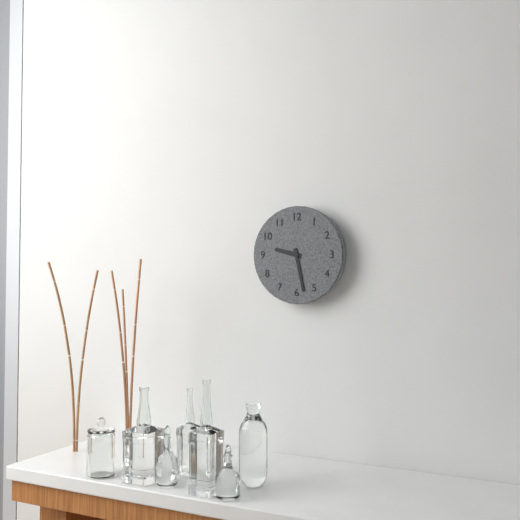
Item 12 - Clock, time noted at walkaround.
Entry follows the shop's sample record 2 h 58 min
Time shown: 9 h 28 min
